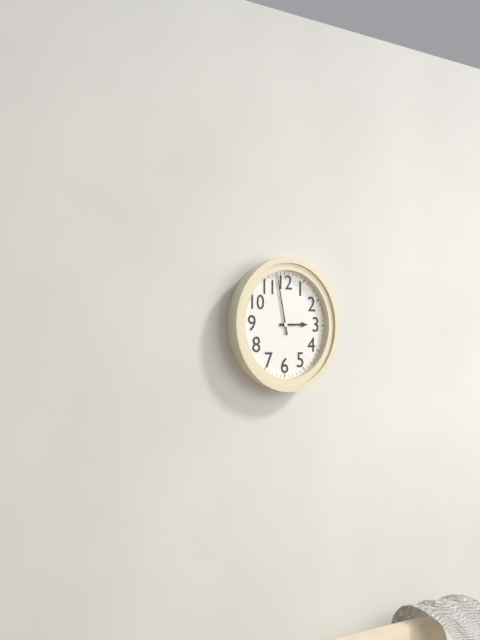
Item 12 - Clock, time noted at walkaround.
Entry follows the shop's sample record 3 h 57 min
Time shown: 2 h 58 min
